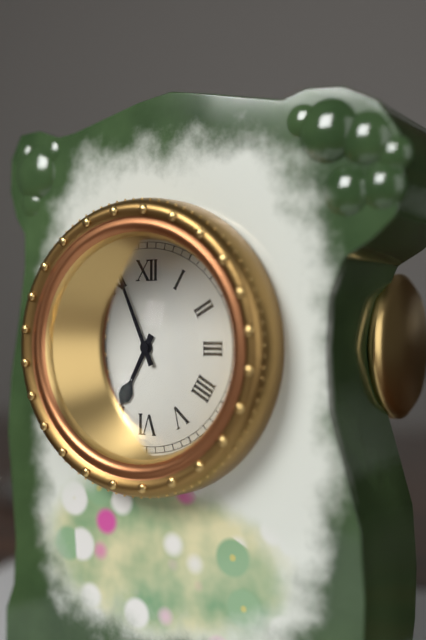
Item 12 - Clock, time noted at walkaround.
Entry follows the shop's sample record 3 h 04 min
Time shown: 6 h 56 min
